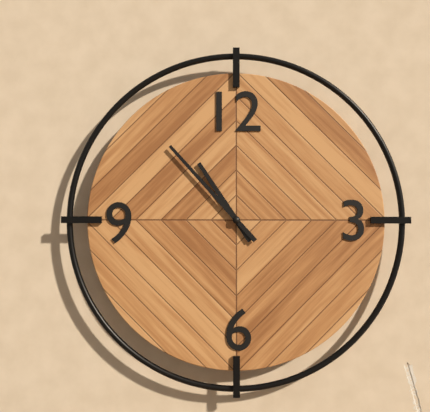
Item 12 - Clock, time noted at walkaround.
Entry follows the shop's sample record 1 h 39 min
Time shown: 10 h 53 min
